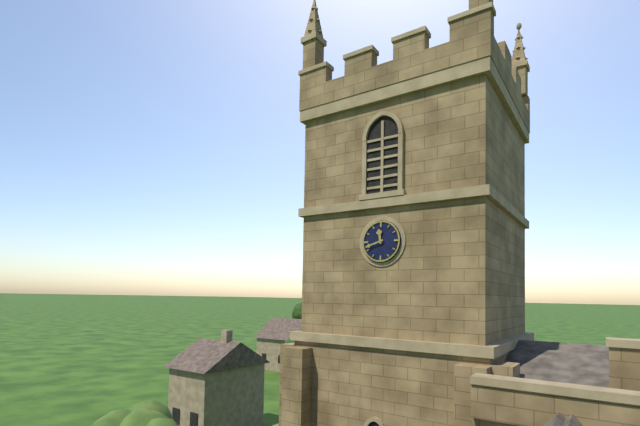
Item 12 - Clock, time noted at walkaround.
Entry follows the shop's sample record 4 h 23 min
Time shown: 11 h 42 min
